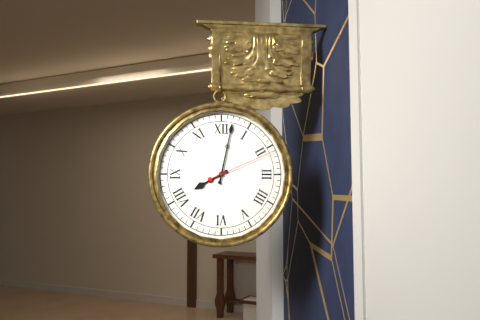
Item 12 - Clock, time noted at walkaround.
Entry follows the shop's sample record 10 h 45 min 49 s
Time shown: 8 h 02 min 11 s
